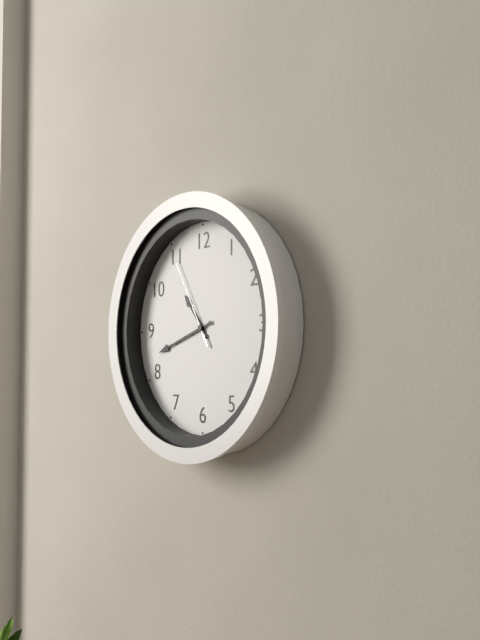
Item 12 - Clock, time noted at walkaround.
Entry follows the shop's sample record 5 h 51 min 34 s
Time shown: 10 h 42 min 55 s
